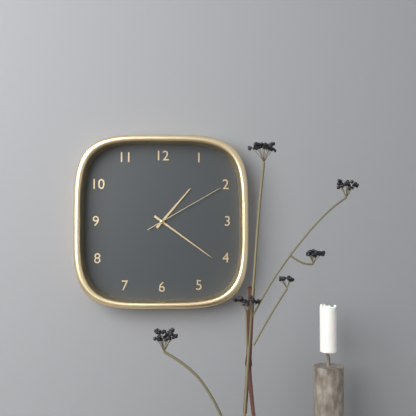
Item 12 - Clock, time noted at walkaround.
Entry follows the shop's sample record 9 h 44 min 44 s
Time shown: 1 h 21 min 10 s
